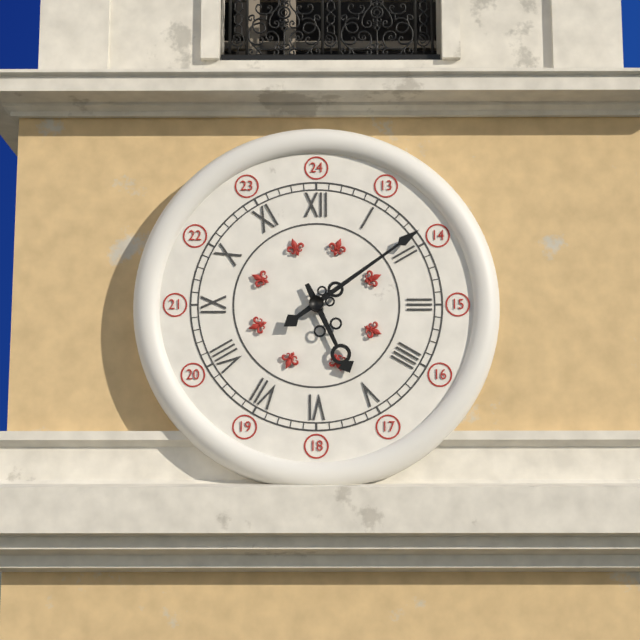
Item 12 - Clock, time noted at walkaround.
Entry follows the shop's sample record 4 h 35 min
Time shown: 5 h 09 min
